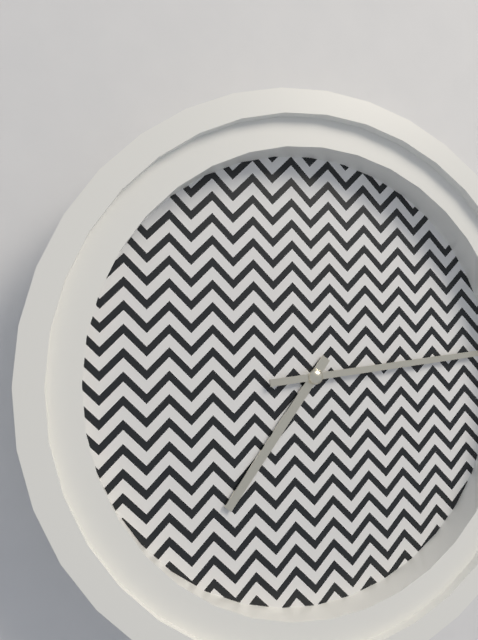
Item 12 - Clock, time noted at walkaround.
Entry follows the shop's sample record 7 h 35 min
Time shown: 7 h 14 min
